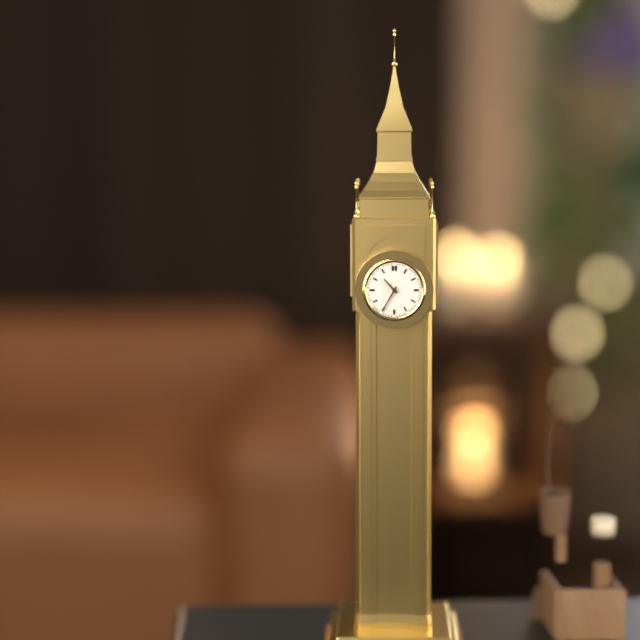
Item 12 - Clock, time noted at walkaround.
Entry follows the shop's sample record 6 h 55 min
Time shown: 10 h 35 min
